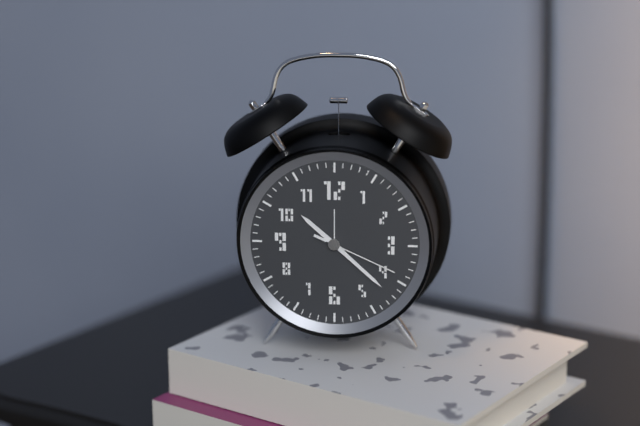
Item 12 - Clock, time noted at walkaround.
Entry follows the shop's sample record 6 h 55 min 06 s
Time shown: 10 h 22 min 19 s
